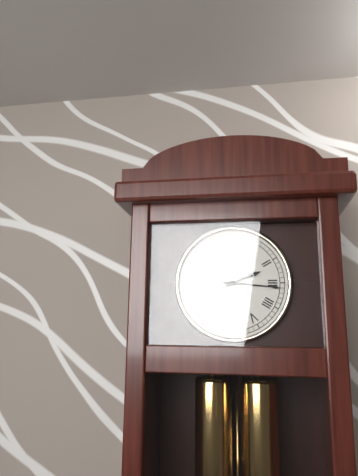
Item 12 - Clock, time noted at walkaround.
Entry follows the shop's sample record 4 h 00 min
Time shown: 2 h 16 min
